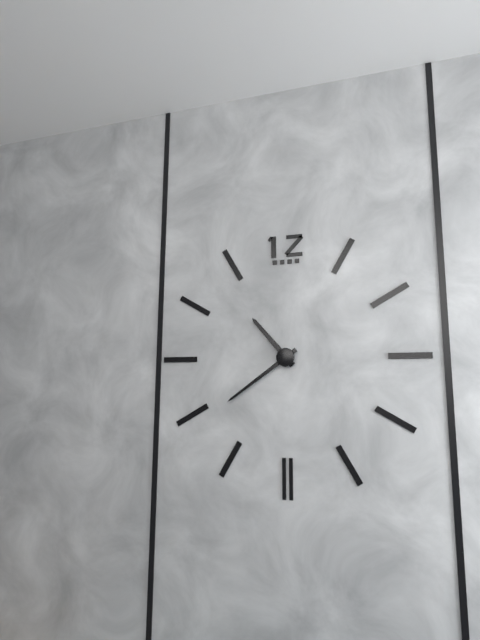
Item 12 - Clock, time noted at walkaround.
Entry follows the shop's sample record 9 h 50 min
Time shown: 10 h 39 min
